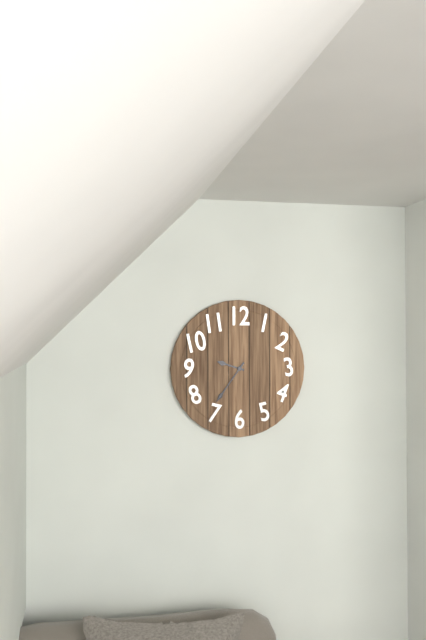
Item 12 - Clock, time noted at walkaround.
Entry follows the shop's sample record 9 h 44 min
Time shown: 9 h 36 min
